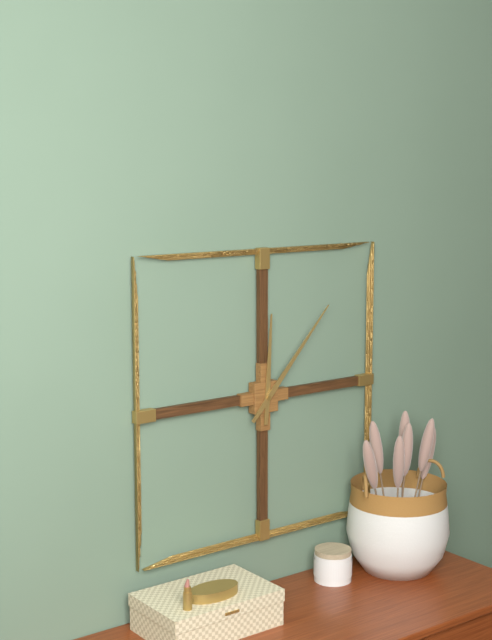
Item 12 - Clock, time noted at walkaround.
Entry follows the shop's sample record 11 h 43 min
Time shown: 12 h 07 min
